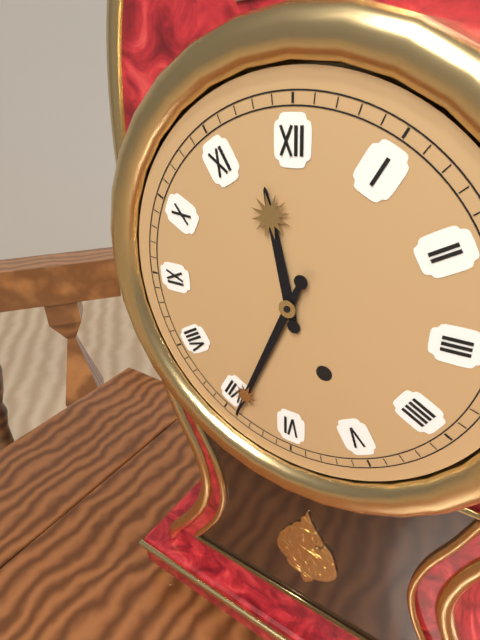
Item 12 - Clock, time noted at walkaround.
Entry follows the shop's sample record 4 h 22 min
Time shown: 11 h 34 min
